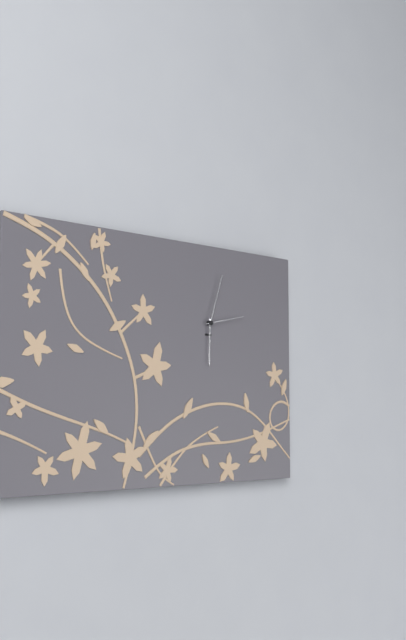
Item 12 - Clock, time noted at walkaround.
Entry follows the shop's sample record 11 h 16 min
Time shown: 6 h 03 min
